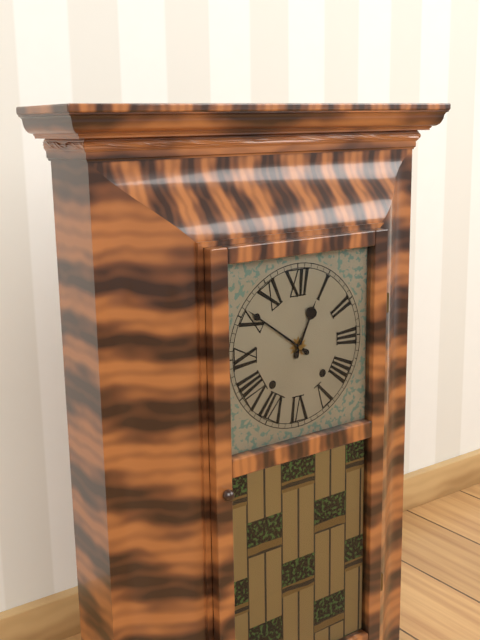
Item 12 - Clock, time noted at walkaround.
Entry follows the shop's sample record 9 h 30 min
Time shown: 12 h 51 min
